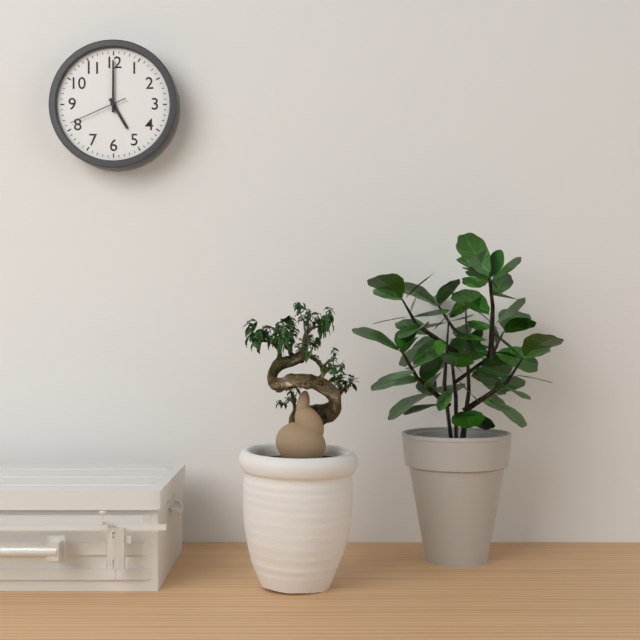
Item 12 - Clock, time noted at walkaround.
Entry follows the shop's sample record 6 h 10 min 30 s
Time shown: 5 h 00 min 41 s
